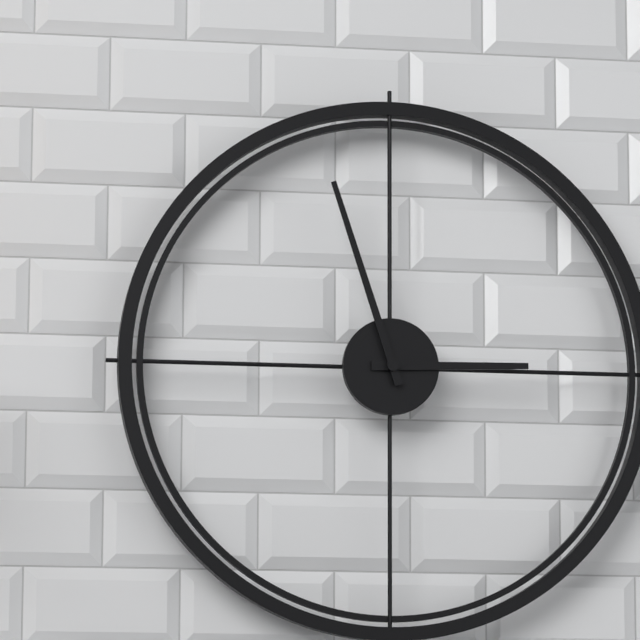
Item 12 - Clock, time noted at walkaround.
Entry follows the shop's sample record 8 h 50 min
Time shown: 2 h 57 min
